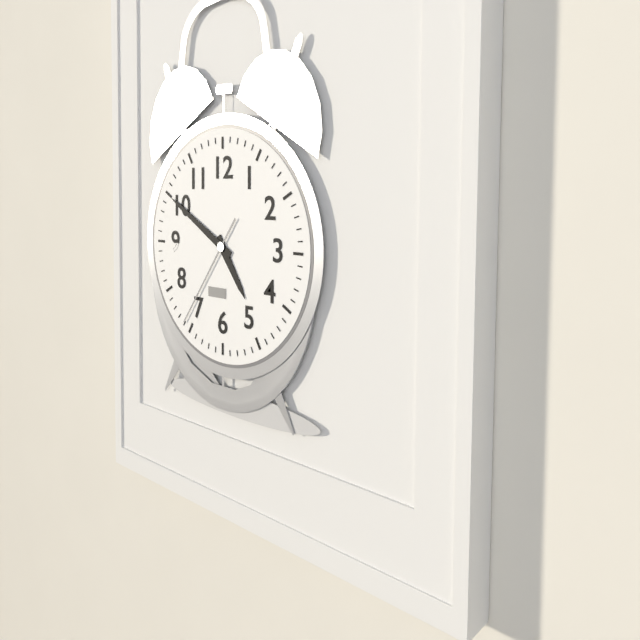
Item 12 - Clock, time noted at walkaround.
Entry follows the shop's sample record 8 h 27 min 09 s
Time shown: 4 h 50 min 36 s
